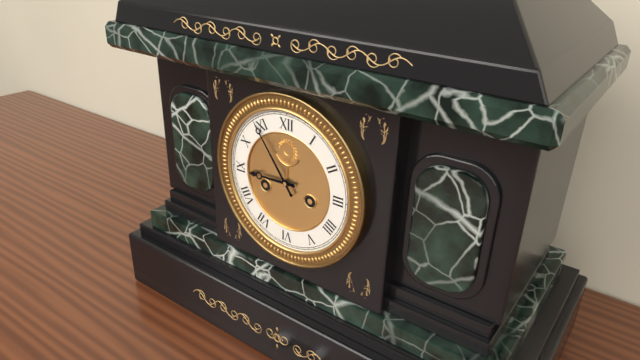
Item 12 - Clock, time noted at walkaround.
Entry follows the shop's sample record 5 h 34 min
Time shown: 8 h 54 min
